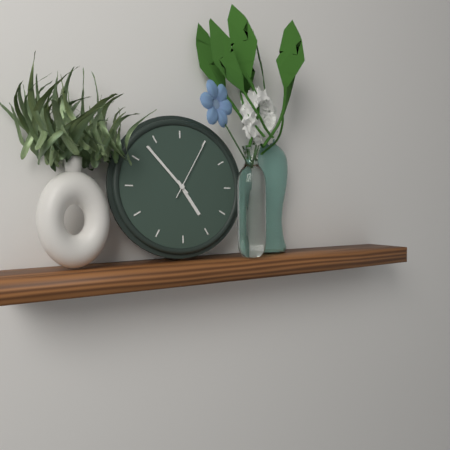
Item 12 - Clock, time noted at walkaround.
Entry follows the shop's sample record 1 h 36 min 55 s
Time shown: 4 h 53 min 05 s
